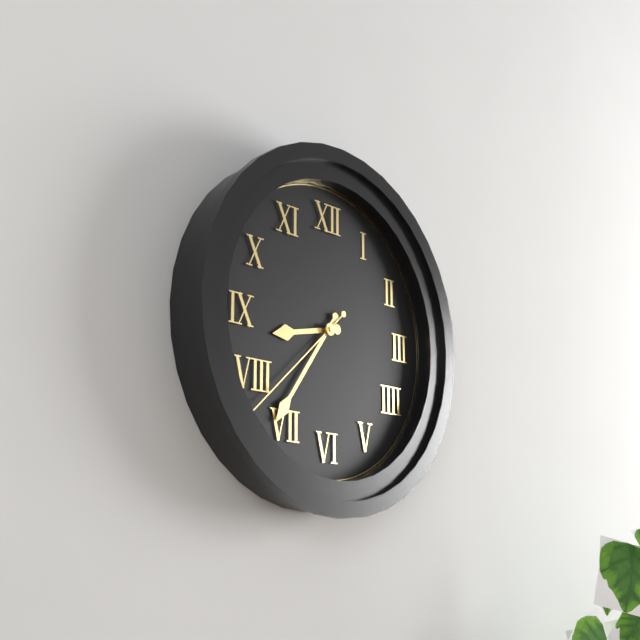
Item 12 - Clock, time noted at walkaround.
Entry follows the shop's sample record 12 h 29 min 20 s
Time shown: 8 h 36 min 38 s
